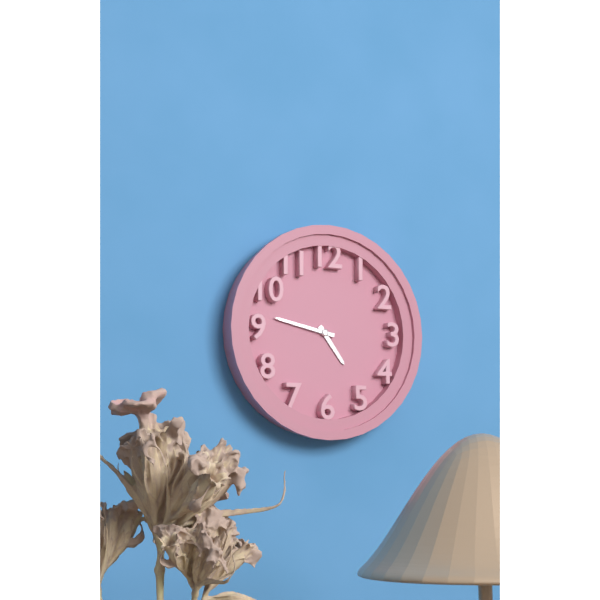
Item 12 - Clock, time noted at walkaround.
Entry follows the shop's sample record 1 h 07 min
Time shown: 4 h 47 min
